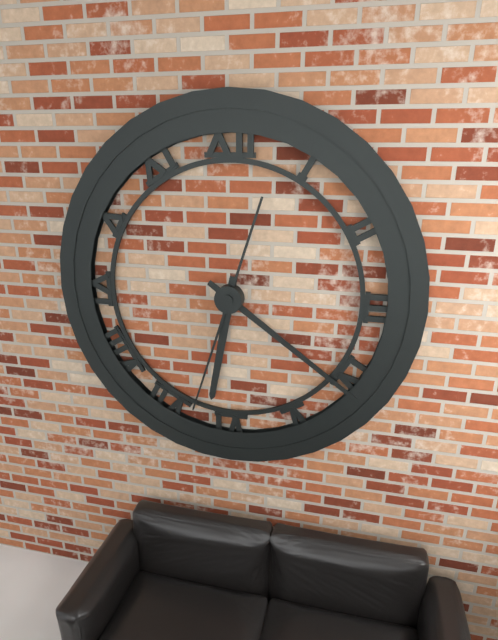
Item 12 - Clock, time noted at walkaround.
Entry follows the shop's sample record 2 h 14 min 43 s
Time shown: 6 h 21 min 33 s
